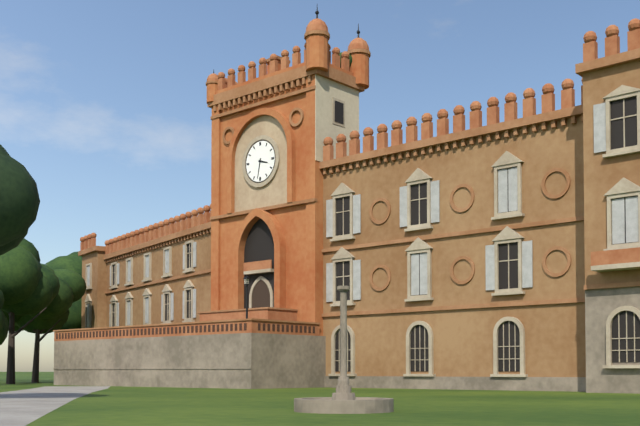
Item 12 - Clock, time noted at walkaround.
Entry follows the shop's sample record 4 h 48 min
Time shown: 3 h 32 min
